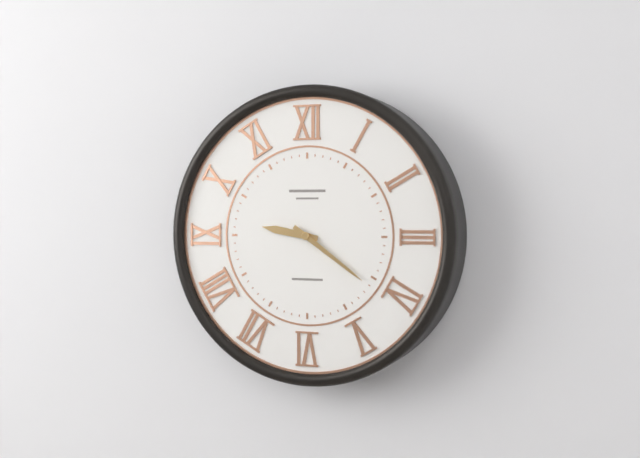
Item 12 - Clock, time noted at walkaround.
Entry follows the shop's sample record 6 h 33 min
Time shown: 9 h 21 min
